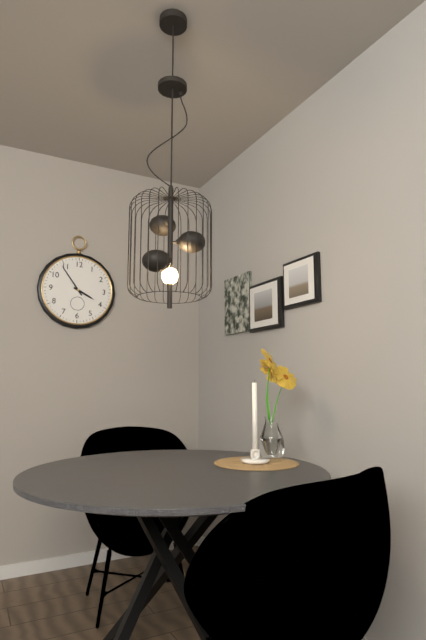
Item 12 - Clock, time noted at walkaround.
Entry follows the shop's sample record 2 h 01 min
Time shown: 3 h 54 min
